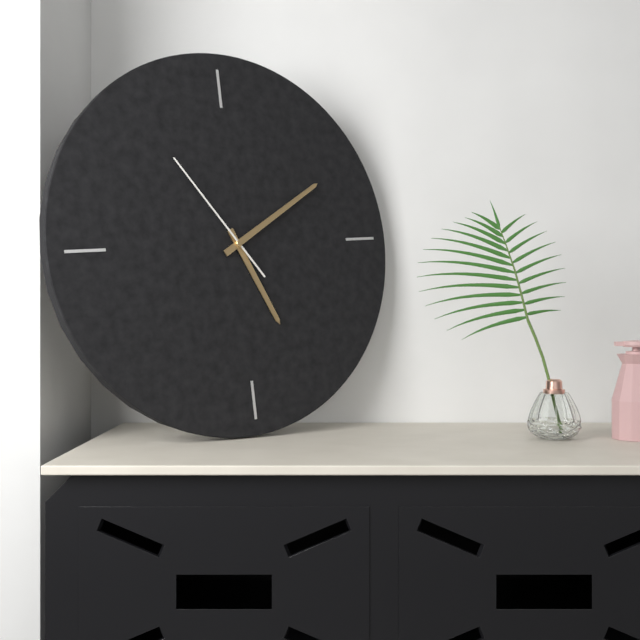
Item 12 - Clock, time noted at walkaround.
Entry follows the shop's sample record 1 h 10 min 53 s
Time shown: 5 h 10 min 54 s
